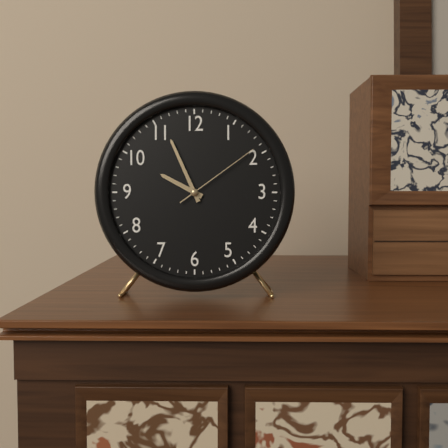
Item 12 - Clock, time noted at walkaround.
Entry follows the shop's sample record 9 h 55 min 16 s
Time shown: 9 h 56 min 09 s
